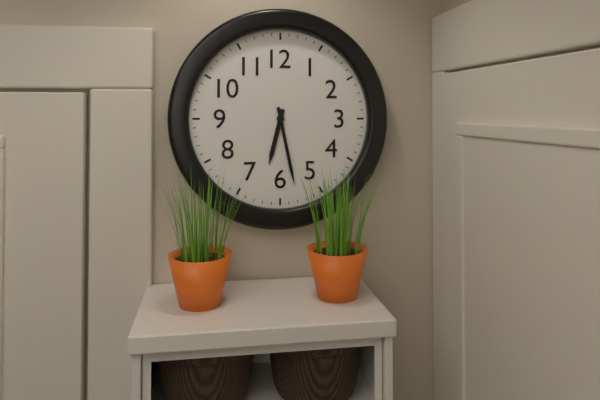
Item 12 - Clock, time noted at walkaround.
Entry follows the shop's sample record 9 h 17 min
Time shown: 6 h 28 min
